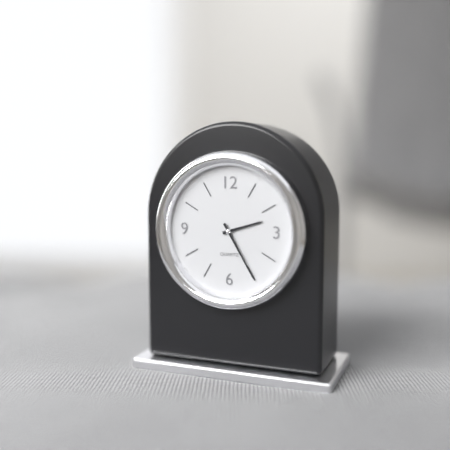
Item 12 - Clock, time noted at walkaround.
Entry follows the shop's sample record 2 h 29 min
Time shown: 2 h 25 min
